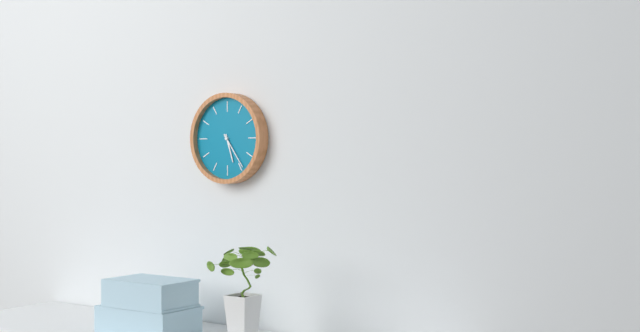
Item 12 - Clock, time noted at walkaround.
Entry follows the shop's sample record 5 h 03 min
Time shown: 5 h 24 min
